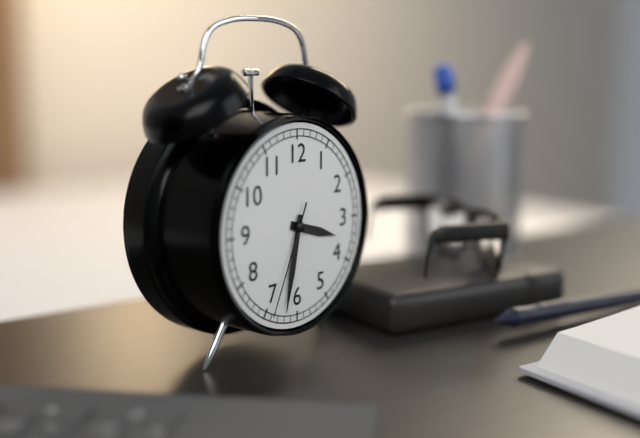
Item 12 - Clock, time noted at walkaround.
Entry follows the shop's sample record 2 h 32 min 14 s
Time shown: 3 h 32 min 34 s
